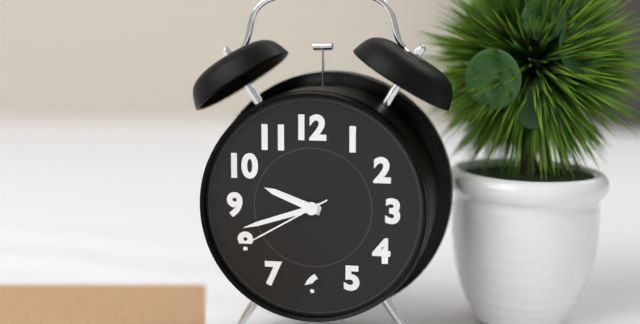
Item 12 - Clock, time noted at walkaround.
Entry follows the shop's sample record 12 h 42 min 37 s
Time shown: 9 h 42 min 40 s
